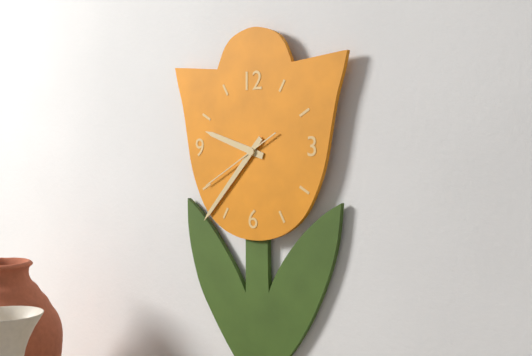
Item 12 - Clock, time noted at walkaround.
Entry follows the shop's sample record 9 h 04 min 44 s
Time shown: 9 h 37 min 40 s
